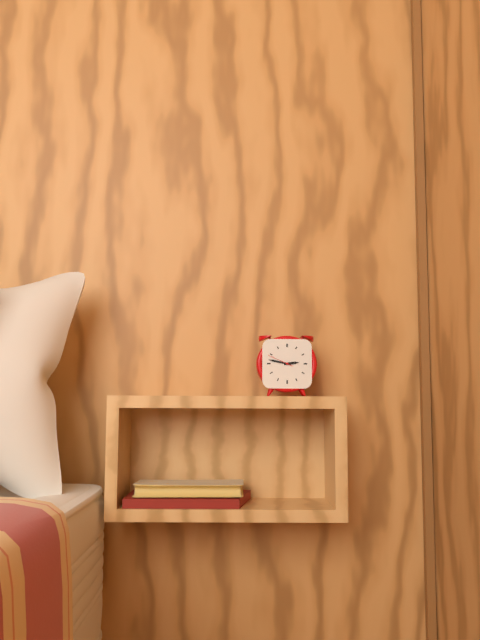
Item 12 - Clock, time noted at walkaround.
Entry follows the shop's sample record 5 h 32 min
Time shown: 2 h 47 min
